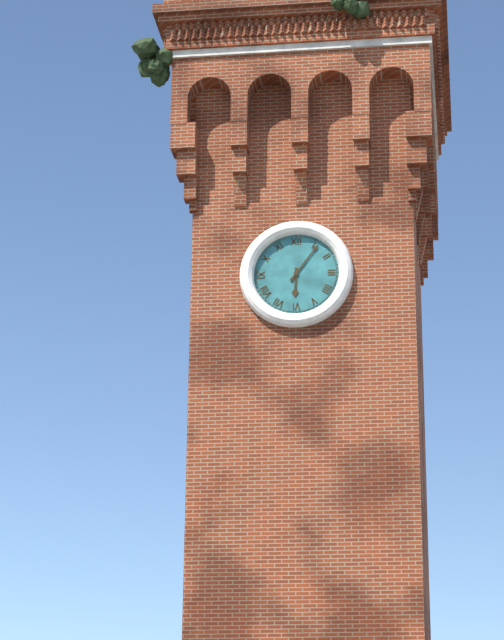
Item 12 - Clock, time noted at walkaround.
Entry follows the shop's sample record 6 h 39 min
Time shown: 6 h 06 min
